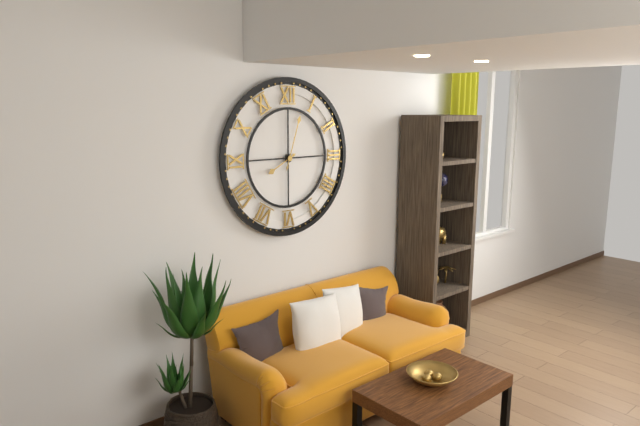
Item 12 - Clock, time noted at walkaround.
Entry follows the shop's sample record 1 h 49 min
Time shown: 8 h 03 min
